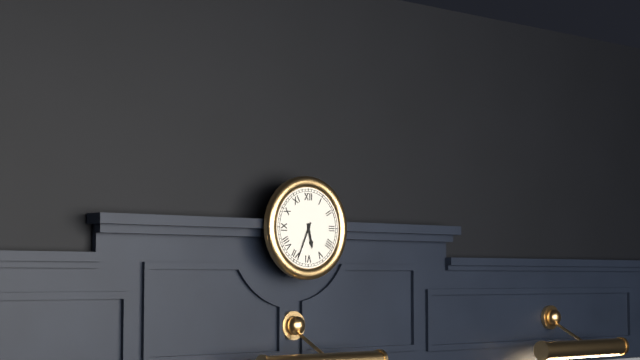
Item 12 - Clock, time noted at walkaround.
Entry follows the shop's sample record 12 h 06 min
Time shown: 5 h 34 min
